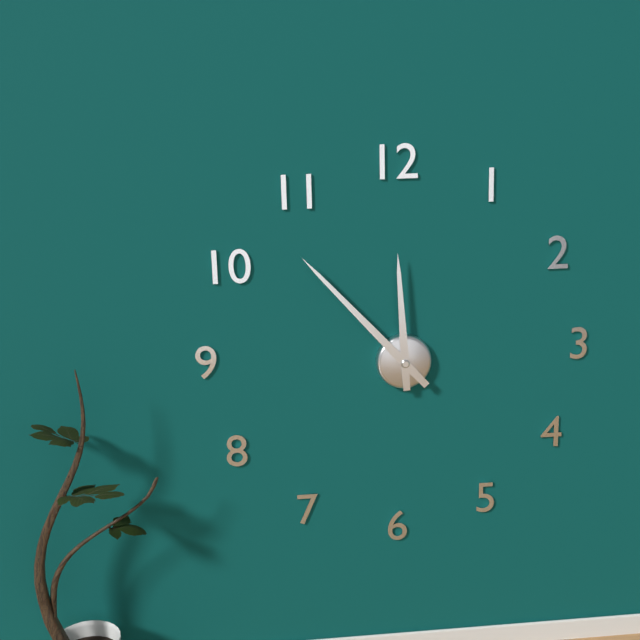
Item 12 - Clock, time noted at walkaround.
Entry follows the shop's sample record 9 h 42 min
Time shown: 11 h 53 min
